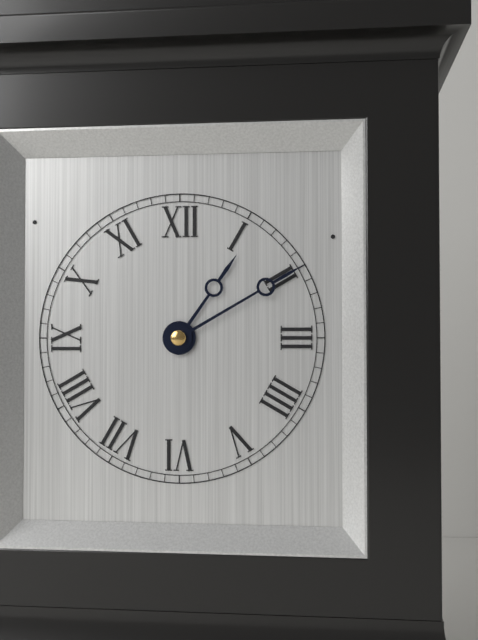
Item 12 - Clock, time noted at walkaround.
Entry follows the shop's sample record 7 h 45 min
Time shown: 1 h 10 min
